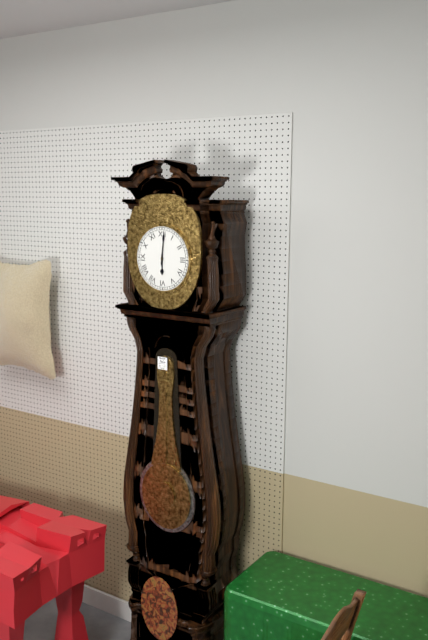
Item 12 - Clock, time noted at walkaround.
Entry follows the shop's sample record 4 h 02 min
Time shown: 6 h 01 min
